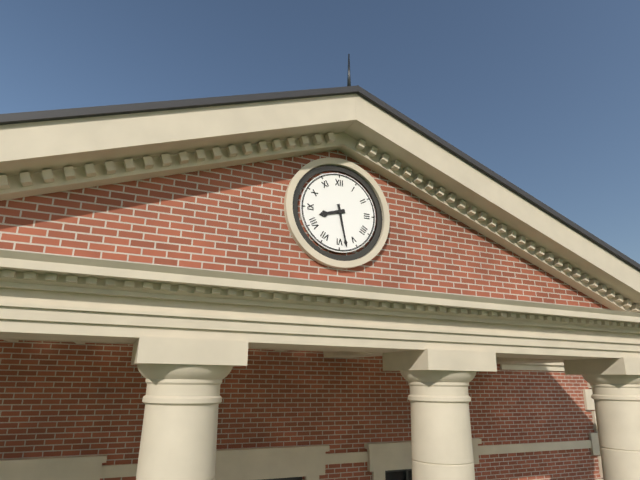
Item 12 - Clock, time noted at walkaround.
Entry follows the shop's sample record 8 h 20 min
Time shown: 8 h 28 min
